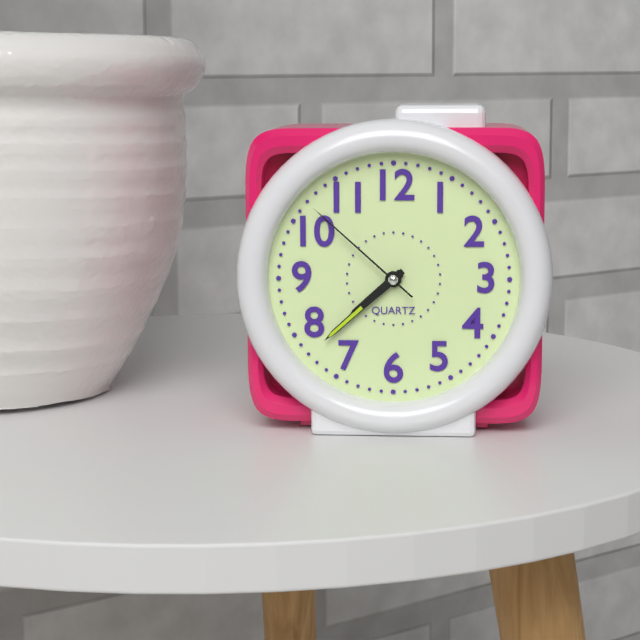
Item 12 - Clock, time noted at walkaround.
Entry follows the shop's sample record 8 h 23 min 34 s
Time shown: 7 h 38 min 52 s
